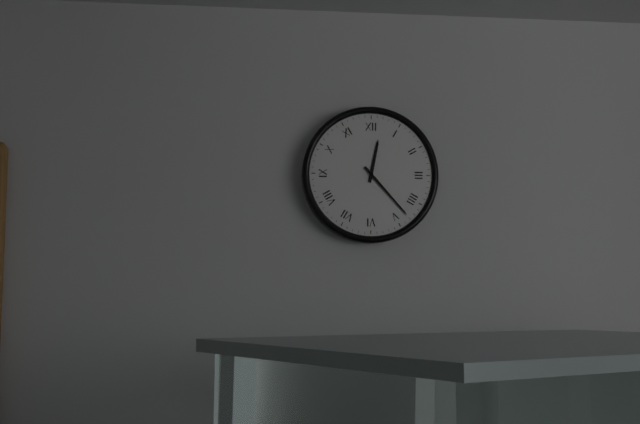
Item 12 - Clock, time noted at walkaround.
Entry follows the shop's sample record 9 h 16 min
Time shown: 12 h 23 min
